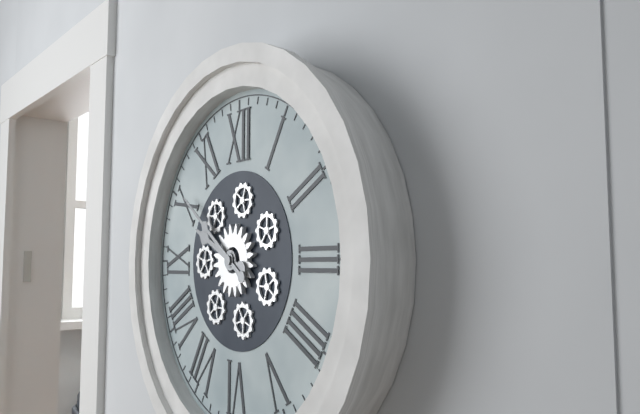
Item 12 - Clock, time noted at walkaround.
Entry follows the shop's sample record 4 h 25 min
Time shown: 9 h 51 min
